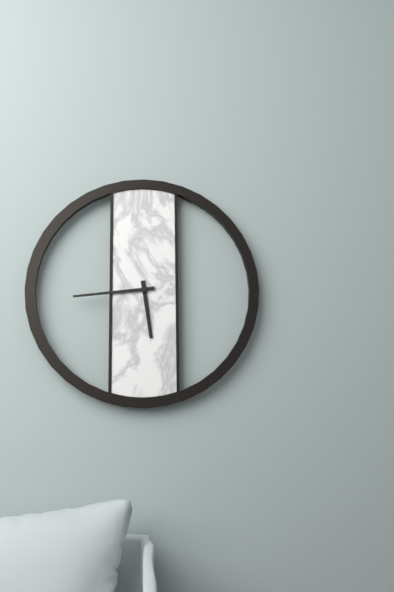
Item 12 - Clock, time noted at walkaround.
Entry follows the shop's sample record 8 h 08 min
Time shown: 5 h 44 min
